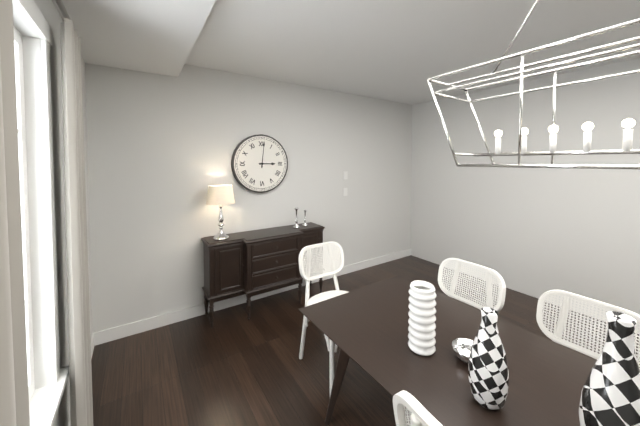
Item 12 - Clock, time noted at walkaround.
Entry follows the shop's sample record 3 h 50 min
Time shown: 3 h 01 min
